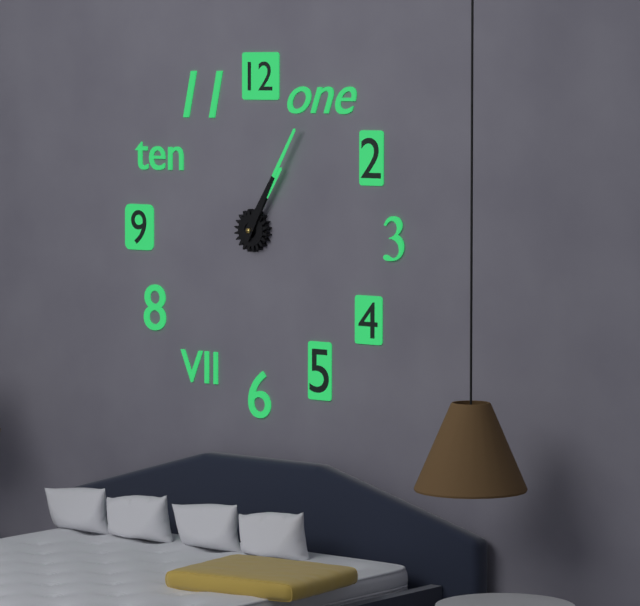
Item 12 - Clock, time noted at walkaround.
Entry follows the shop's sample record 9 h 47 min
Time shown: 1 h 05 min
